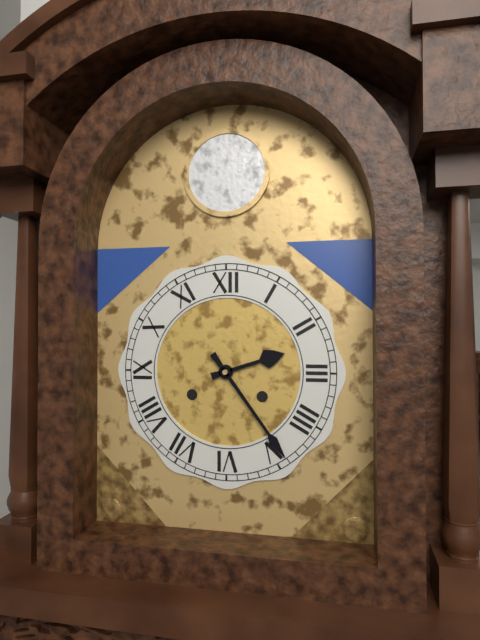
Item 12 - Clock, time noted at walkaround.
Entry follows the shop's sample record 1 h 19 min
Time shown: 2 h 24 min
